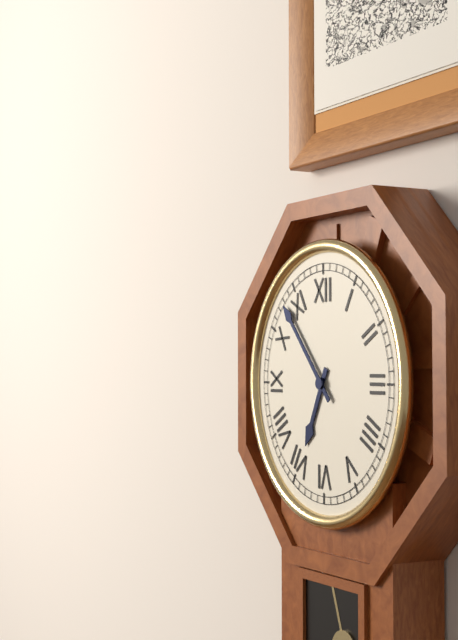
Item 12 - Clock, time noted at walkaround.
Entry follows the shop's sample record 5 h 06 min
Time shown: 6 h 53 min
